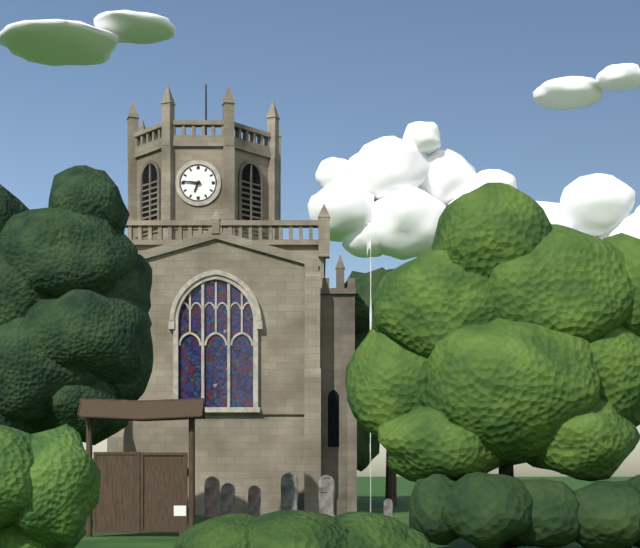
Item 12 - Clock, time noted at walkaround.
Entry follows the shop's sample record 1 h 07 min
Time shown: 6 h 46 min
